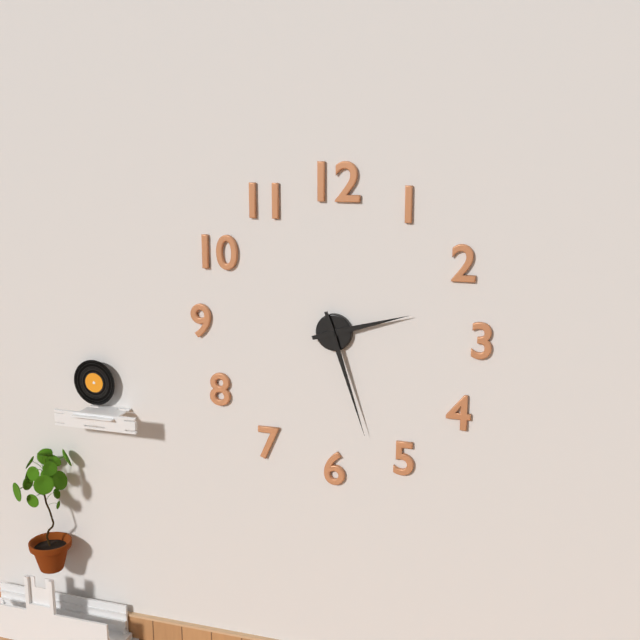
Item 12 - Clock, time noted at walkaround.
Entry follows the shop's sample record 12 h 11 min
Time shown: 2 h 27 min
